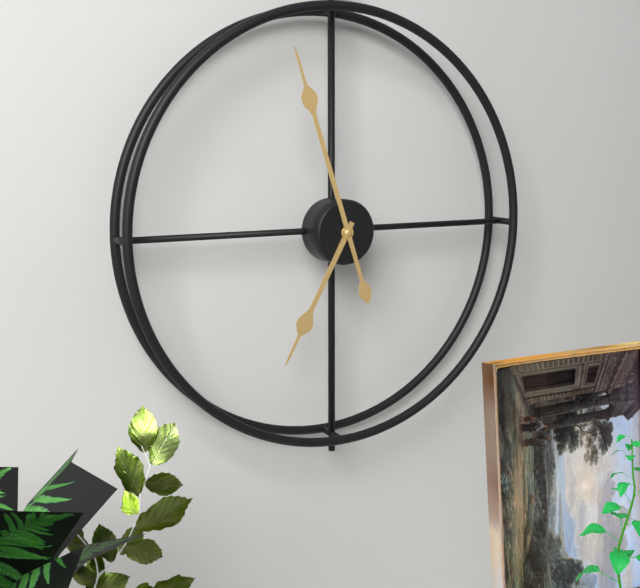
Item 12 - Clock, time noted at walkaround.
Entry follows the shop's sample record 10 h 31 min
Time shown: 6 h 57 min
